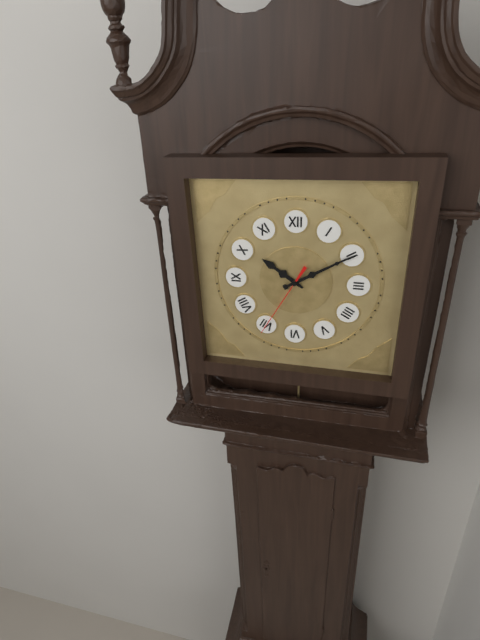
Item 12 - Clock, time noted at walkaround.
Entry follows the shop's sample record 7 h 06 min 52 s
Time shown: 10 h 10 min 35 s
